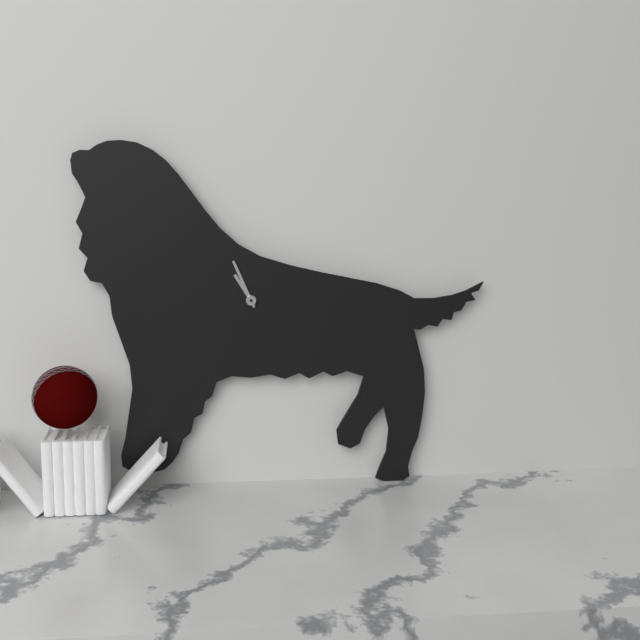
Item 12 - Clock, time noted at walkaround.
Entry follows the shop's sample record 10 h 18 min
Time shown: 10 h 56 min
